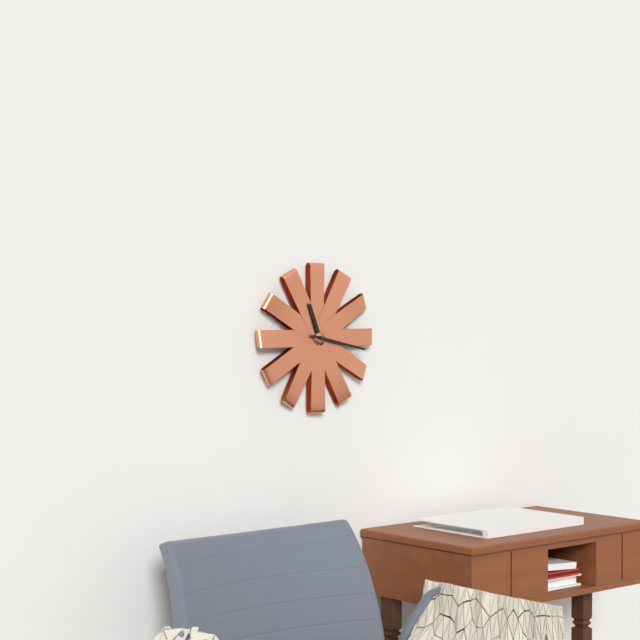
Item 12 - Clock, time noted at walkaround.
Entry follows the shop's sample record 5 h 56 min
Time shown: 11 h 17 min
